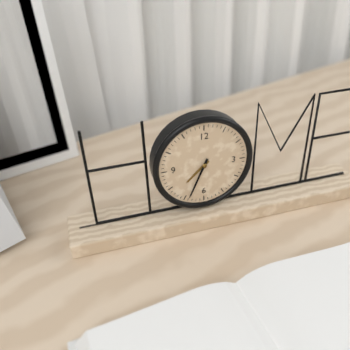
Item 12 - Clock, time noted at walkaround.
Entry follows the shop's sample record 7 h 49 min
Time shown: 7 h 34 min
